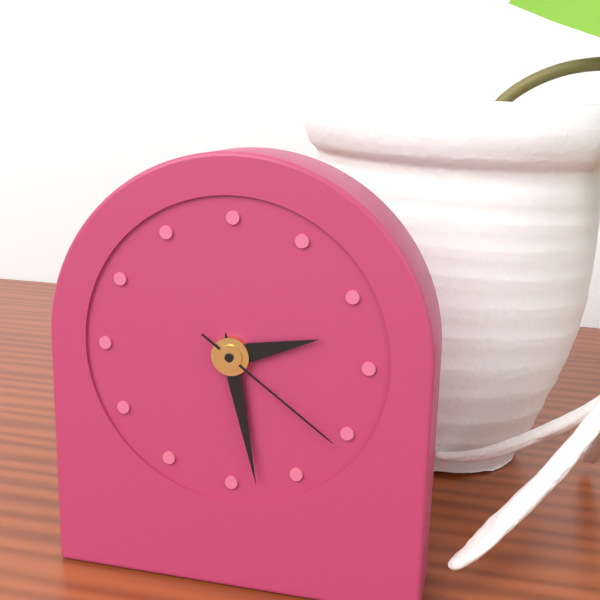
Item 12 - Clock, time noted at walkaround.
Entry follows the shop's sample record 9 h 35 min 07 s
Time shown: 2 h 28 min 21 s
